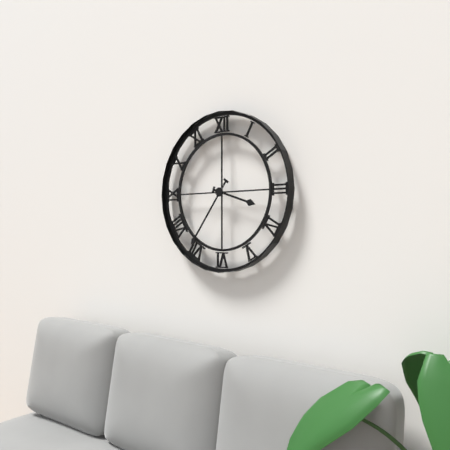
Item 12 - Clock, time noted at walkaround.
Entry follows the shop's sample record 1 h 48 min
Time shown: 3 h 36 min
